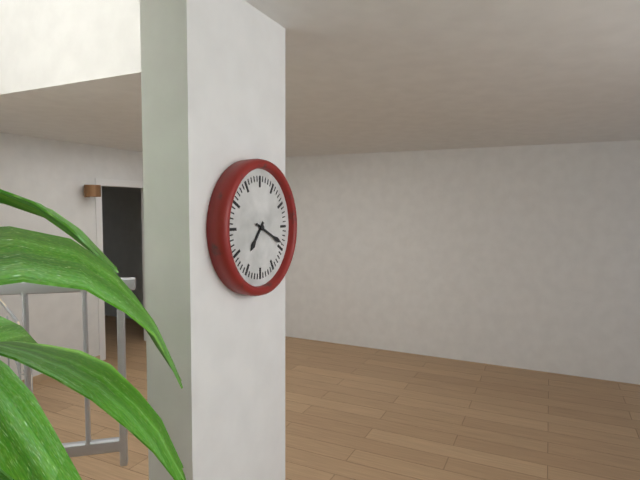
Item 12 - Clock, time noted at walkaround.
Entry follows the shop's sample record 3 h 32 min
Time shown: 7 h 19 min
